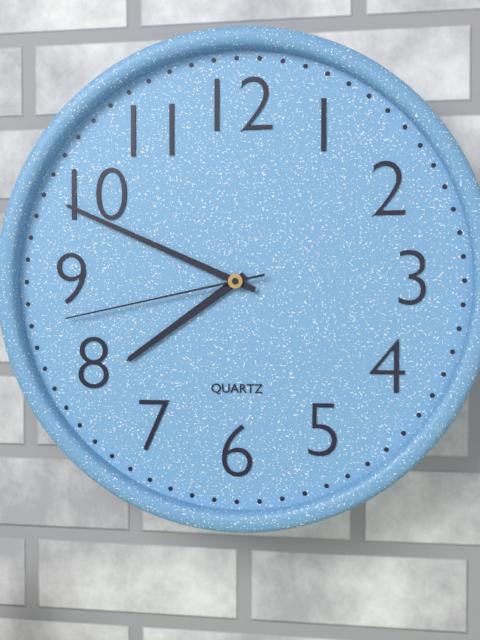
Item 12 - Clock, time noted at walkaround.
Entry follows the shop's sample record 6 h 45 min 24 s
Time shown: 7 h 49 min 43 s
